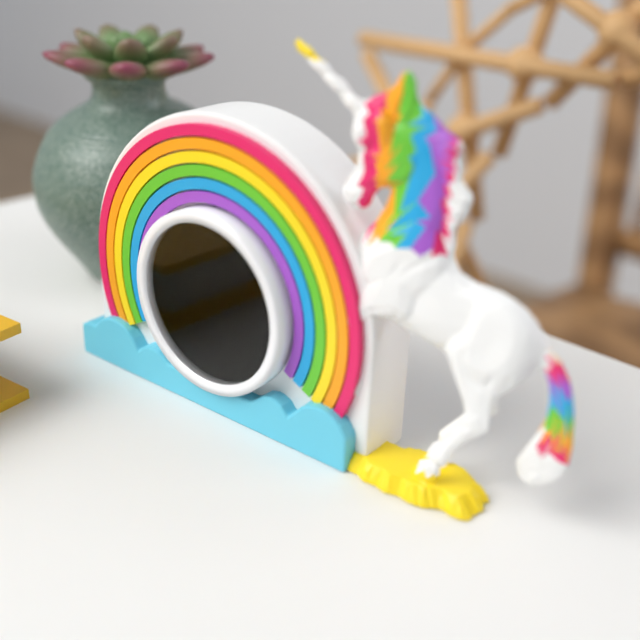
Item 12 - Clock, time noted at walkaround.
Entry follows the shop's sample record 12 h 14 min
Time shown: 5 h 44 min
